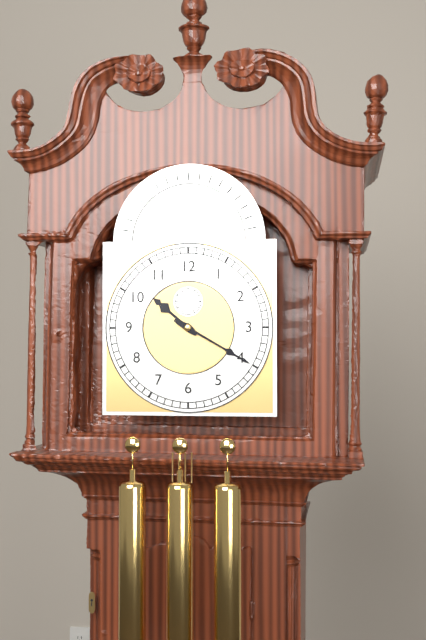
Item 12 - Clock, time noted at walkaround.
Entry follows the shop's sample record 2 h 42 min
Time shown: 10 h 20 min
